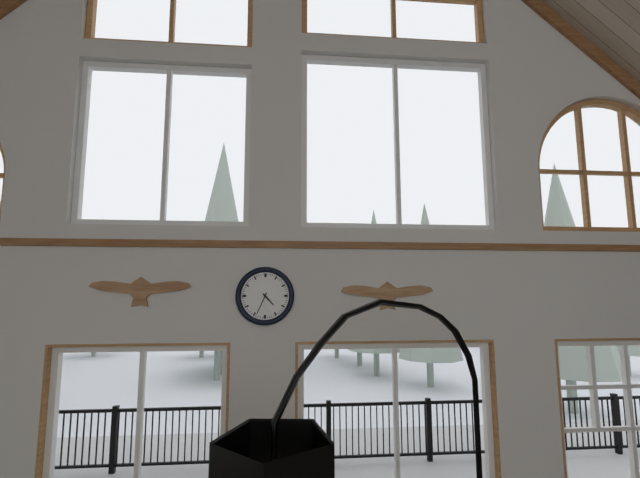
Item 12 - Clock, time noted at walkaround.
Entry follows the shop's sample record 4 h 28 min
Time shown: 4 h 34 min
